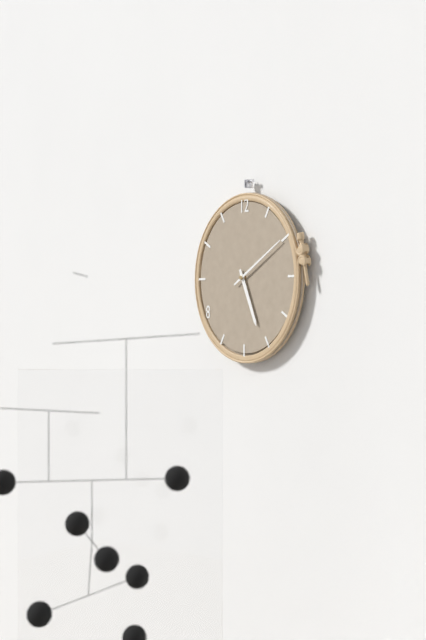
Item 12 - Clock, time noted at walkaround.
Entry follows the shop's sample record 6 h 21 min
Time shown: 5 h 10 min
